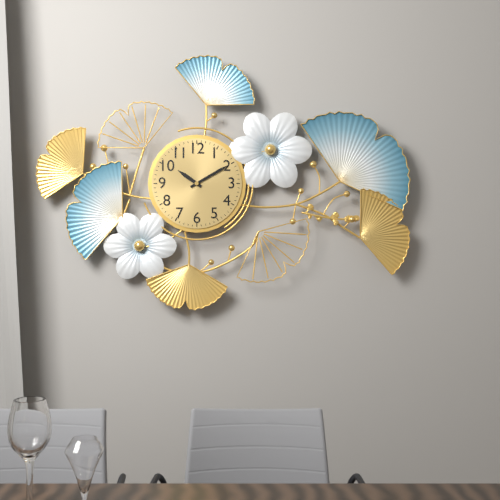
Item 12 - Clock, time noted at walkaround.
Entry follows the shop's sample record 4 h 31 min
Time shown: 10 h 10 min
